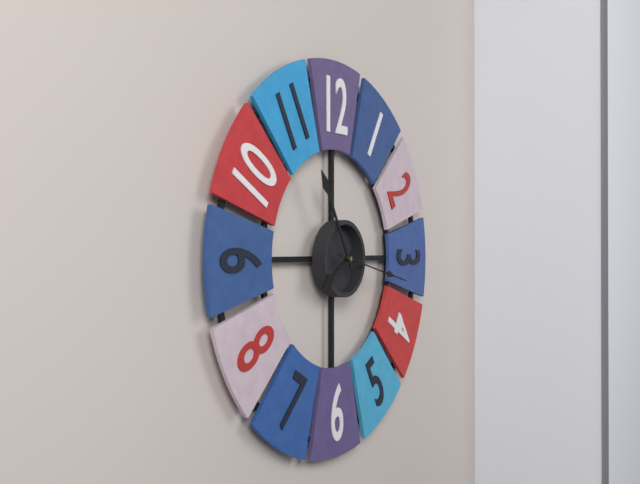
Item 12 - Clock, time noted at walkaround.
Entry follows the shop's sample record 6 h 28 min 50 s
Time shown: 7 h 55 min 17 s
